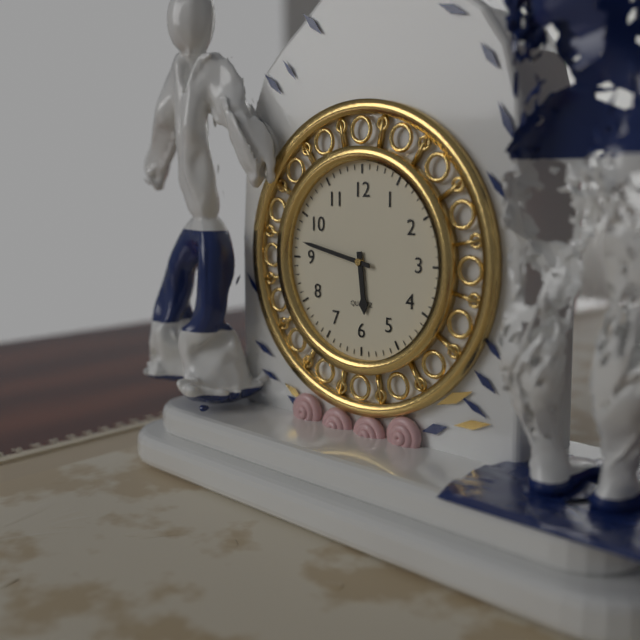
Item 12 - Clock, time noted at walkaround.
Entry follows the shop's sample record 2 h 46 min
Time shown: 5 h 47 min
